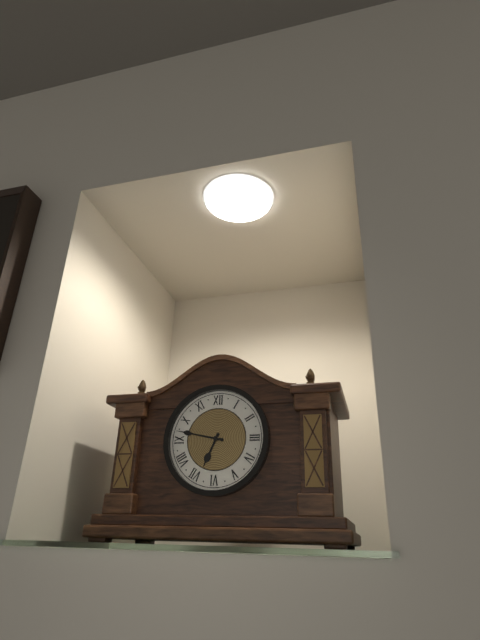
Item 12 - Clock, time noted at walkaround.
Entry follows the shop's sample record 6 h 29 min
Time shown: 6 h 47 min
